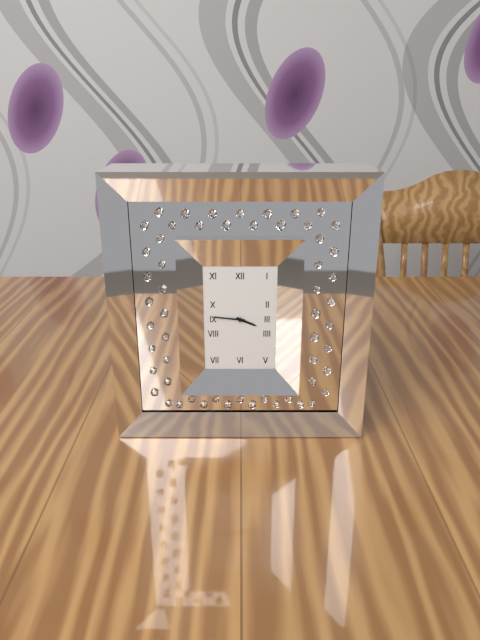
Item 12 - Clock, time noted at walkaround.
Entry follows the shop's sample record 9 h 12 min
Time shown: 3 h 46 min
